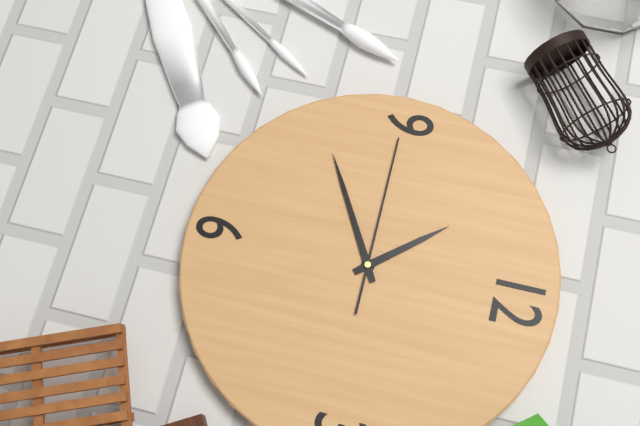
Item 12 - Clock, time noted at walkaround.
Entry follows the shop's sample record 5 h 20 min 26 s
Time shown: 10 h 40 min 45 s
